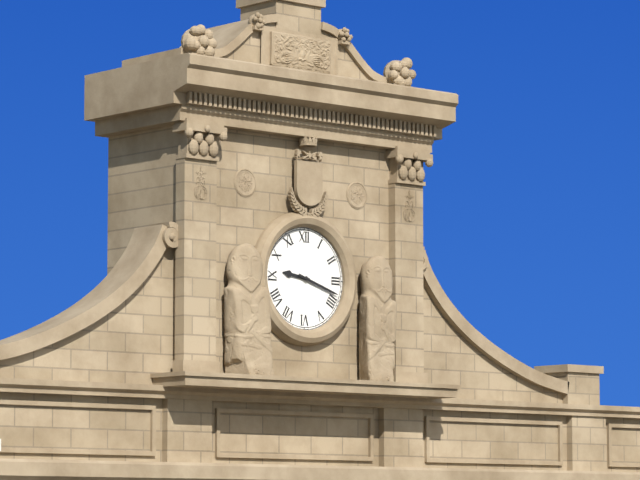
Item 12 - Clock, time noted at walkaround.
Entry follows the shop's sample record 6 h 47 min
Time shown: 9 h 18 min
